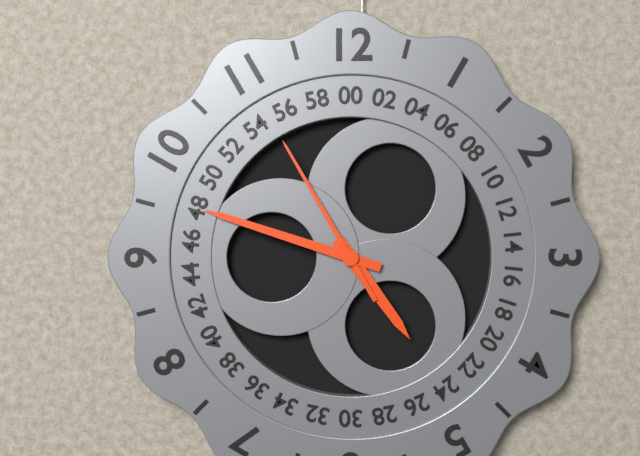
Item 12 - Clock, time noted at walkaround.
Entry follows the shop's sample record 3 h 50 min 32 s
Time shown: 4 h 48 min 55 s
